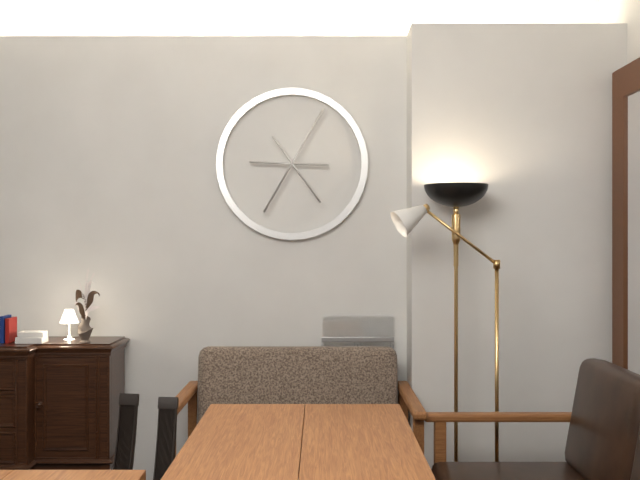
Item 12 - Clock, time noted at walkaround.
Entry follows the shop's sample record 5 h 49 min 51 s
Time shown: 9 h 05 min 24 s
